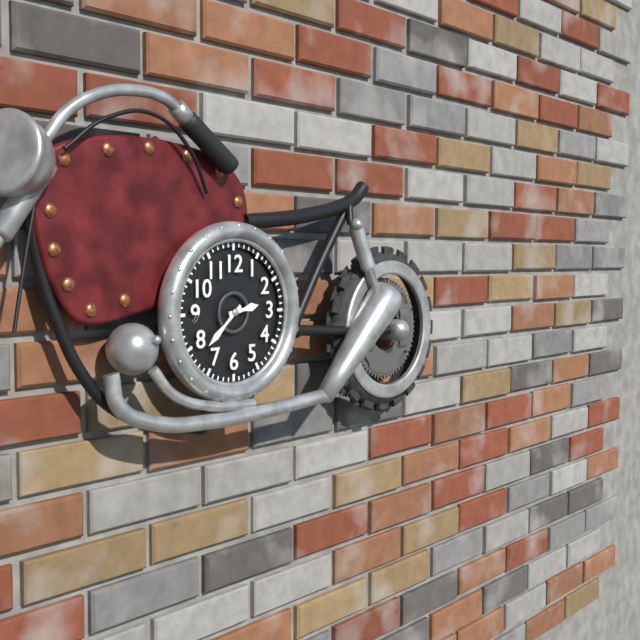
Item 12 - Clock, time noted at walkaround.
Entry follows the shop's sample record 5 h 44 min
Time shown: 2 h 38 min
